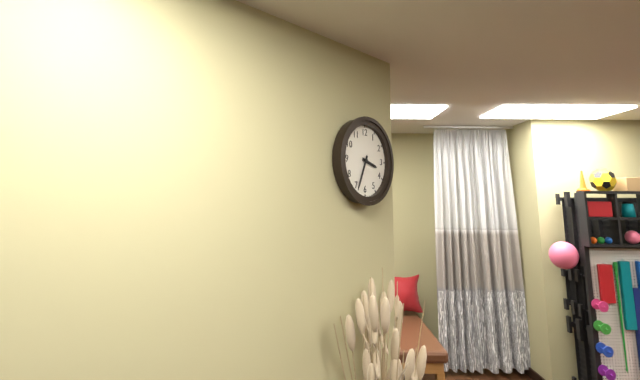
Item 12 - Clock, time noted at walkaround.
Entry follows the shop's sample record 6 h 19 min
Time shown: 3 h 34 min
